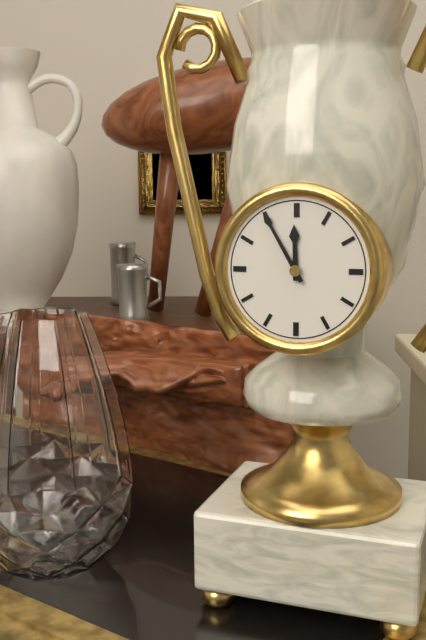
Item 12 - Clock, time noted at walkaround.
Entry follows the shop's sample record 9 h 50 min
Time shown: 11 h 55 min
